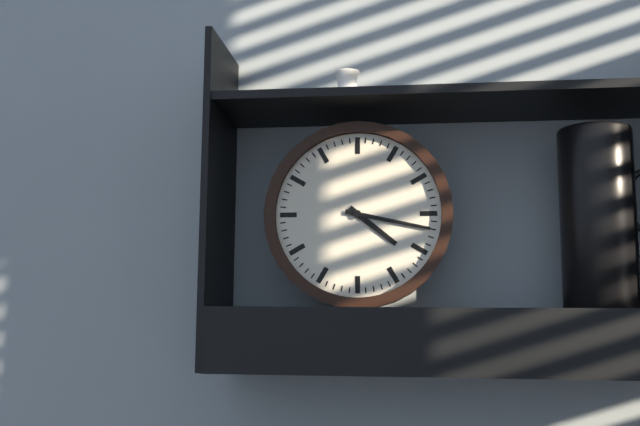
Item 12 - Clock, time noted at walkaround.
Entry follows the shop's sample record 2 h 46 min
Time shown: 4 h 17 min
